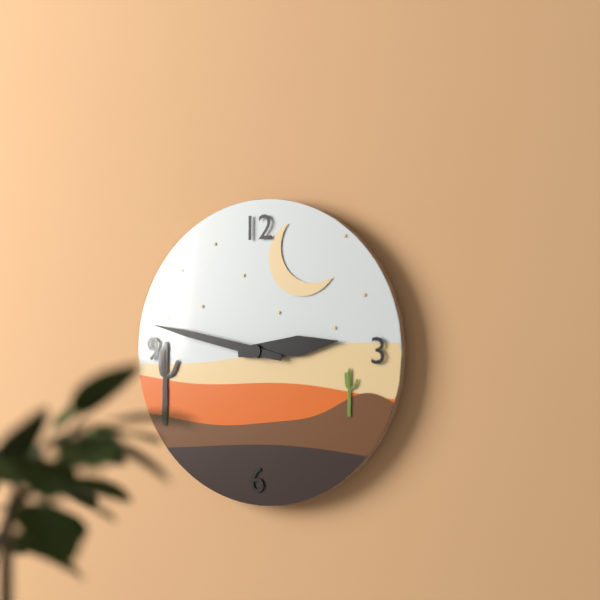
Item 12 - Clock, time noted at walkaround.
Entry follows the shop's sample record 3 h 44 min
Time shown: 2 h 47 min
